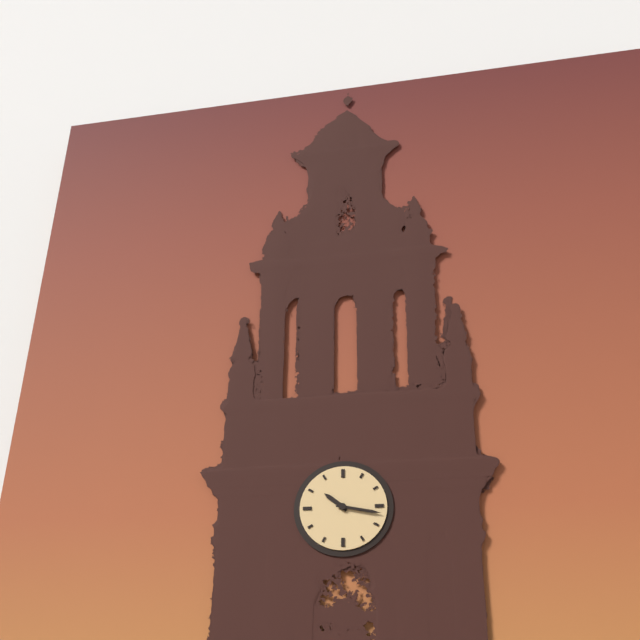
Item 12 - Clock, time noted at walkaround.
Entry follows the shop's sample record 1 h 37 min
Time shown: 10 h 17 min
